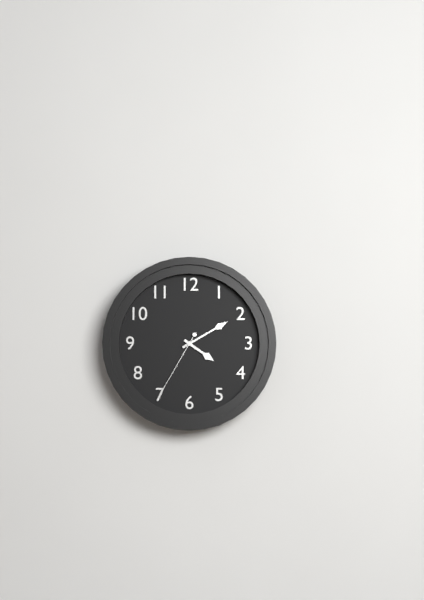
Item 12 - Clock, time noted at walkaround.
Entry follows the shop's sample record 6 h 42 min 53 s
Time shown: 4 h 10 min 35 s
